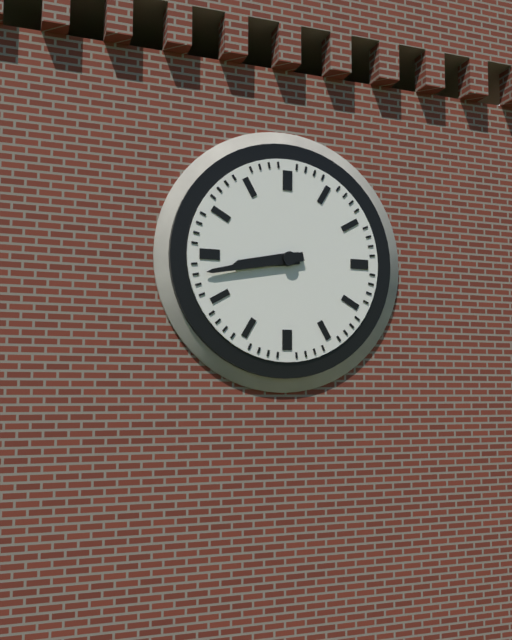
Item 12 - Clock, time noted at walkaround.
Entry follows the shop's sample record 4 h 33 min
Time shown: 8 h 43 min
